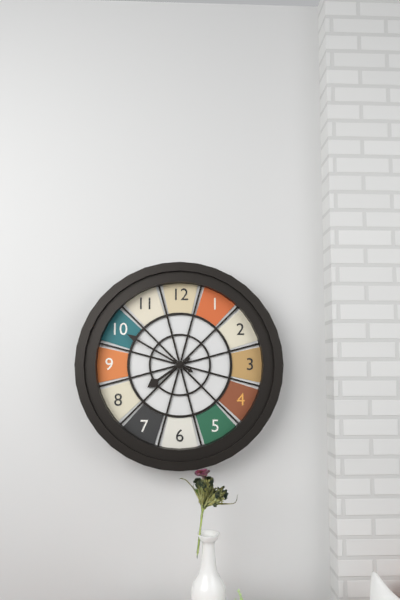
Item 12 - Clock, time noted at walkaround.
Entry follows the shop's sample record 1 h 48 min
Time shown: 7 h 50 min
